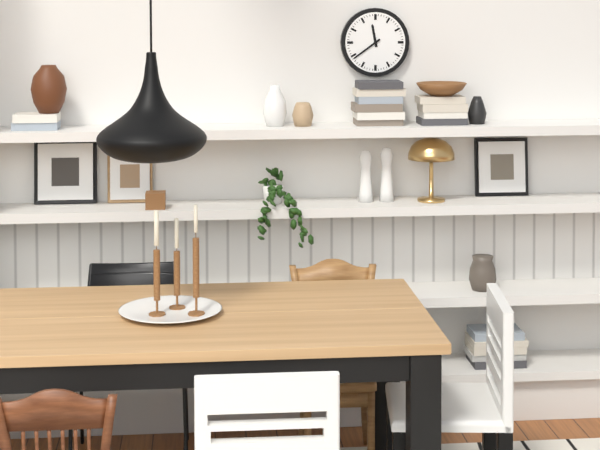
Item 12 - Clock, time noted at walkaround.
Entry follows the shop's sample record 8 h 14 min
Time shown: 11 h 39 min
